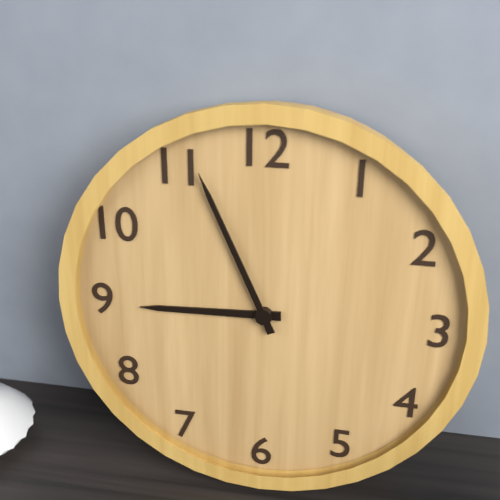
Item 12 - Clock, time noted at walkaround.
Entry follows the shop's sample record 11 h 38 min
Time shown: 8 h 56 min
